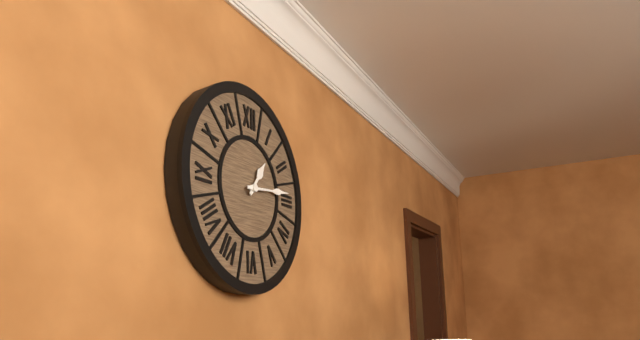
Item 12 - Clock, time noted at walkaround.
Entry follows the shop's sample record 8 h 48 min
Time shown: 1 h 14 min
